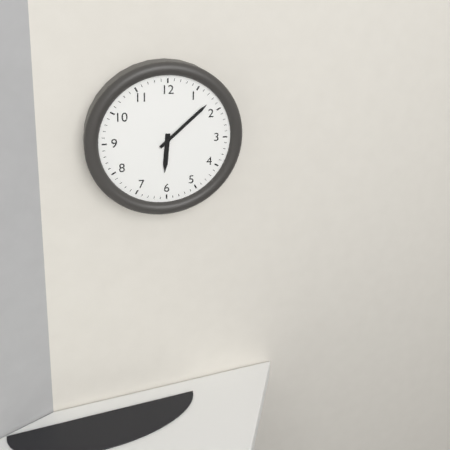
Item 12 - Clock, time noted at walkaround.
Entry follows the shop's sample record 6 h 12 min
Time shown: 6 h 08 min
